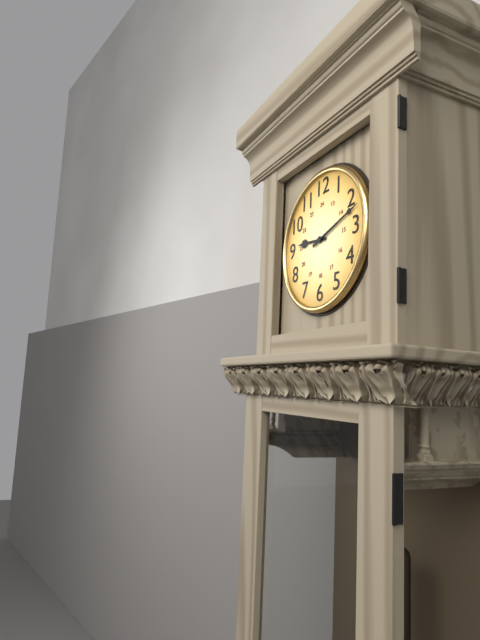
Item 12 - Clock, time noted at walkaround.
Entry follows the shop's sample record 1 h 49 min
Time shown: 9 h 12 min
